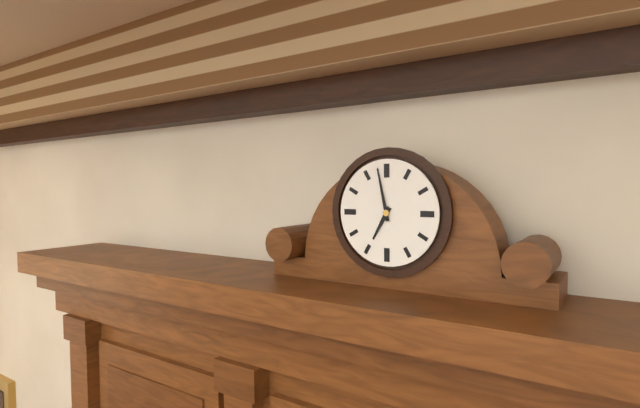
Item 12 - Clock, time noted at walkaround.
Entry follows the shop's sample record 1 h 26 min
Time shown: 6 h 58 min
